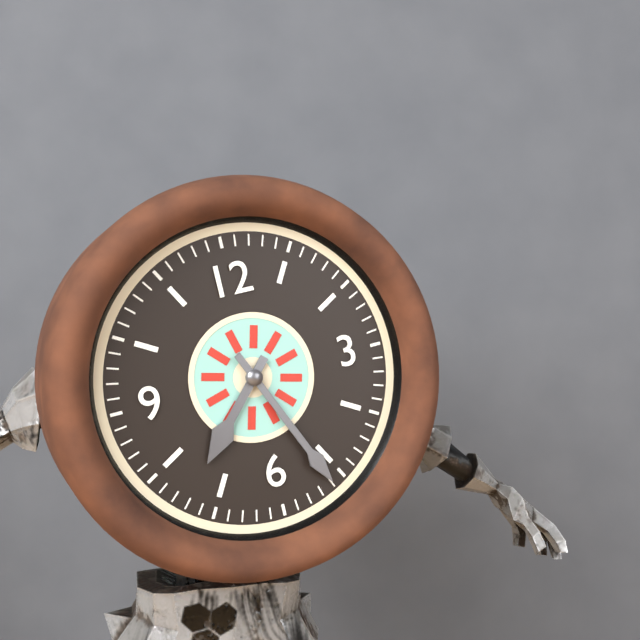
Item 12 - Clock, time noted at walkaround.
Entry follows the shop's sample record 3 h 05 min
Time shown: 7 h 26 min
